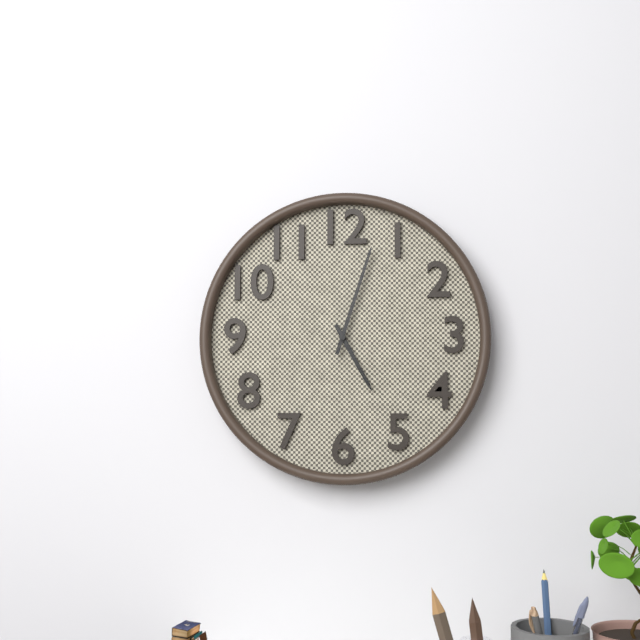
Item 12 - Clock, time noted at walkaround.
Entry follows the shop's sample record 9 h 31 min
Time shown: 5 h 03 min
